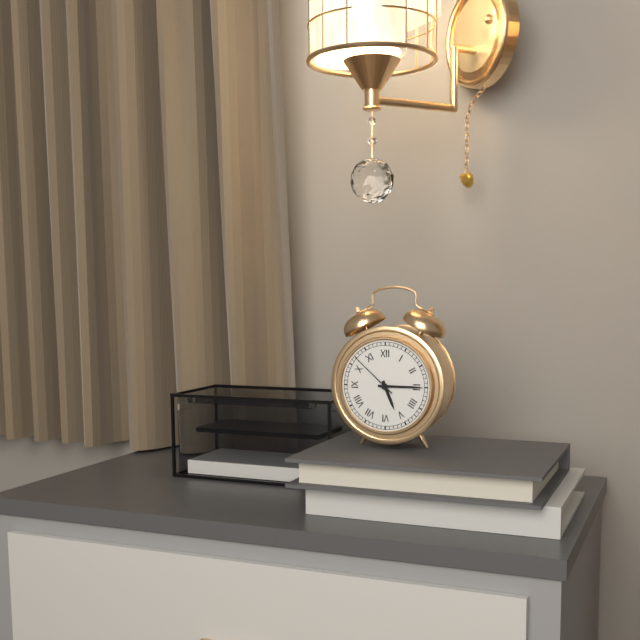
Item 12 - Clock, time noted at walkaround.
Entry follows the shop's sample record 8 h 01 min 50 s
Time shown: 5 h 15 min 52 s
